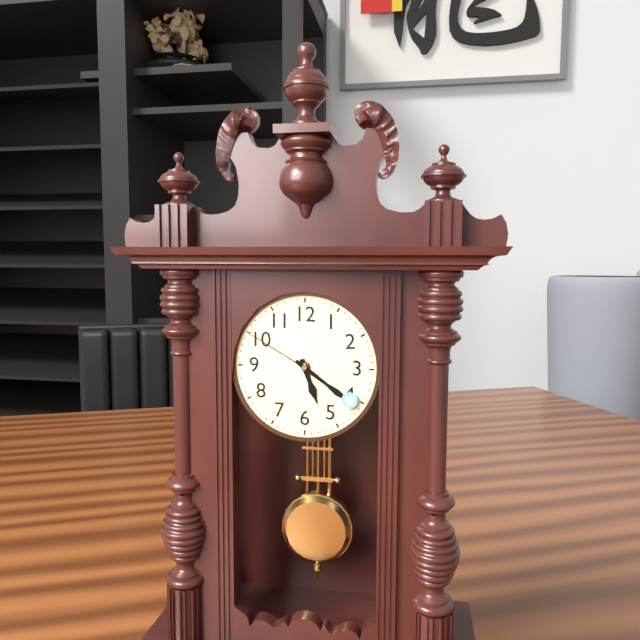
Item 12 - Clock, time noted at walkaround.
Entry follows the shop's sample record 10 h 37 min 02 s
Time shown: 5 h 21 min 50 s
